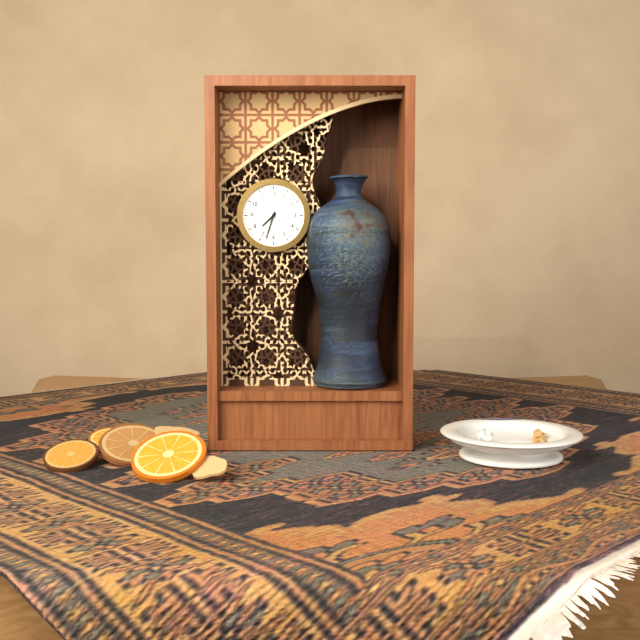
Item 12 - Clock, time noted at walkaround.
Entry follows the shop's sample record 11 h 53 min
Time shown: 7 h 33 min
